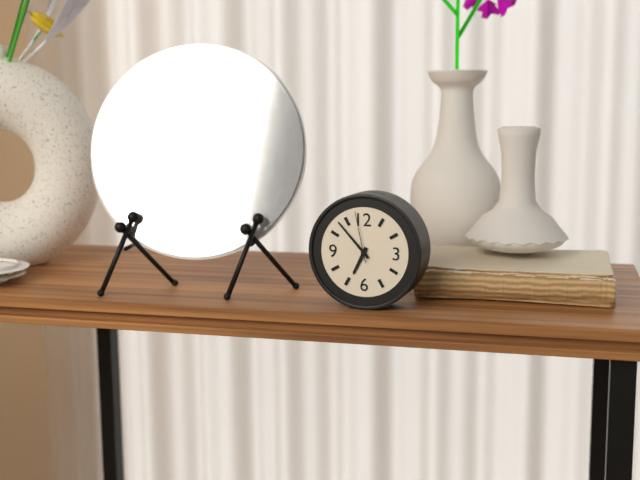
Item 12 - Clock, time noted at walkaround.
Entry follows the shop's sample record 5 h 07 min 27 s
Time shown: 6 h 53 min 58 s
